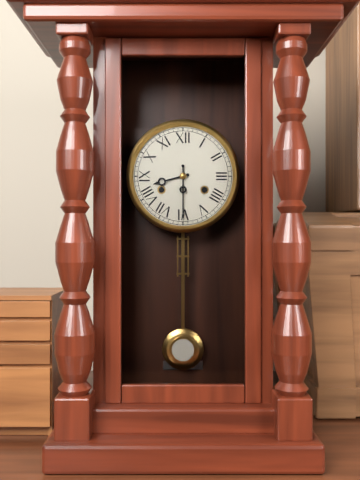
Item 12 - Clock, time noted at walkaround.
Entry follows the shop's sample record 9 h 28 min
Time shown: 8 h 30 min
